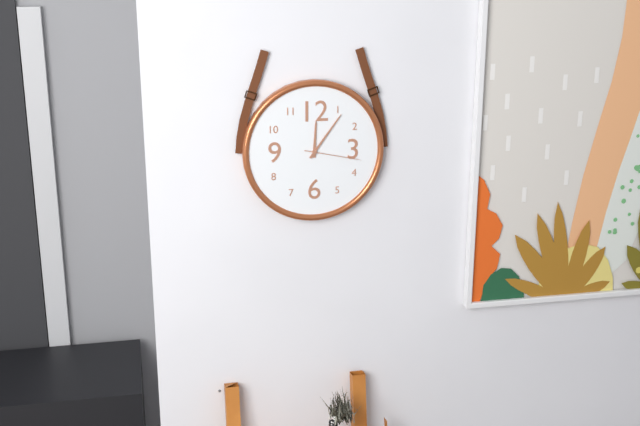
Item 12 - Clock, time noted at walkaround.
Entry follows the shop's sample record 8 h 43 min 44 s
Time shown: 12 h 06 min 17 s
